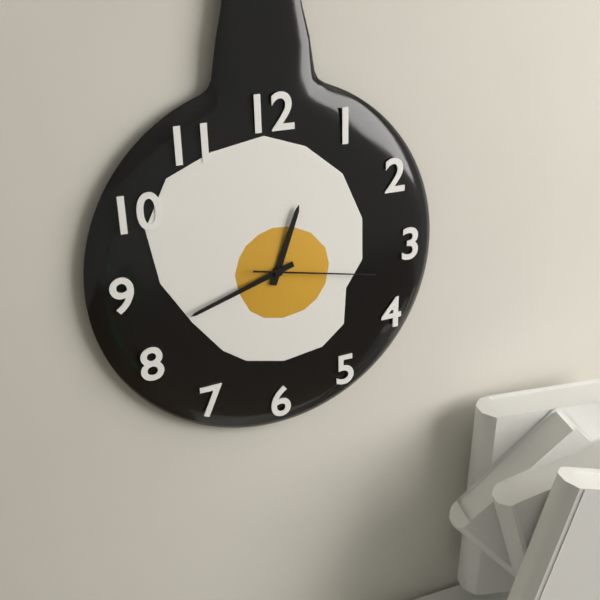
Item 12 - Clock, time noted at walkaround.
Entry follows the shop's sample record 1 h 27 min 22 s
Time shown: 12 h 42 min 17 s
